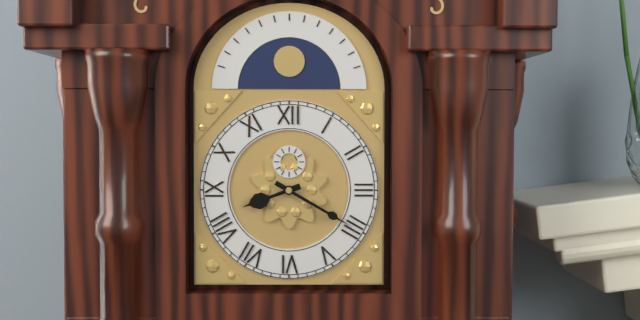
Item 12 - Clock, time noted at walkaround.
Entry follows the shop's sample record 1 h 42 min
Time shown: 8 h 20 min
